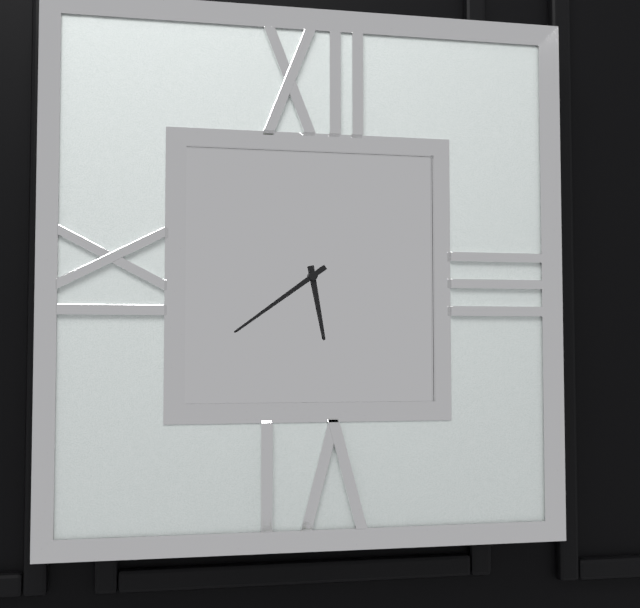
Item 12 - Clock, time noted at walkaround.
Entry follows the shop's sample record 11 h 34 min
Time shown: 5 h 39 min
